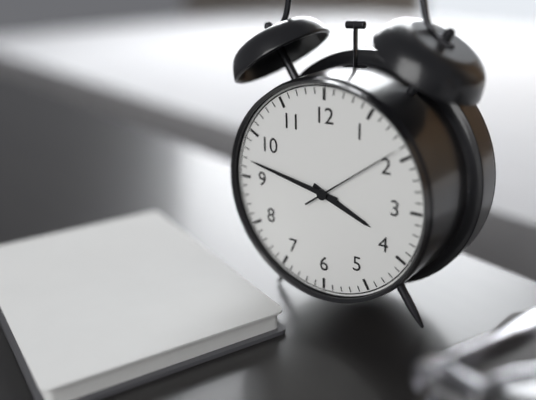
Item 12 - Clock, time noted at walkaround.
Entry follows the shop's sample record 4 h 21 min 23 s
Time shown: 3 h 47 min 09 s
